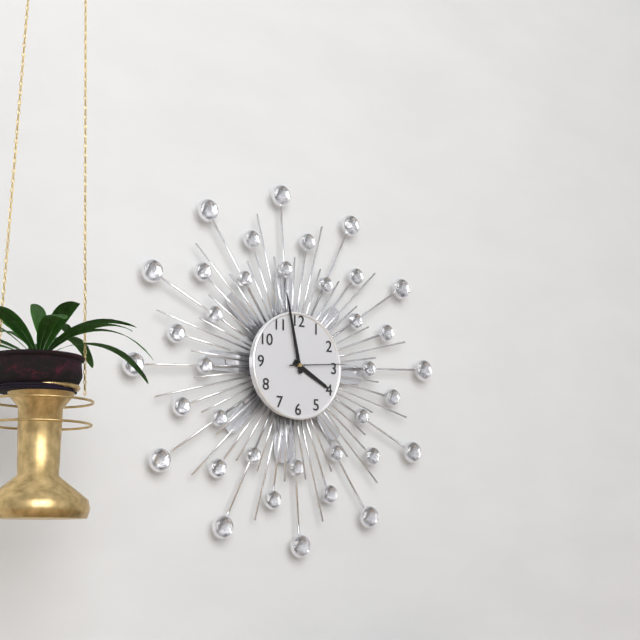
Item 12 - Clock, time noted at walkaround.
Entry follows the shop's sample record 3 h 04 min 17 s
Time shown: 3 h 58 min 14 s
